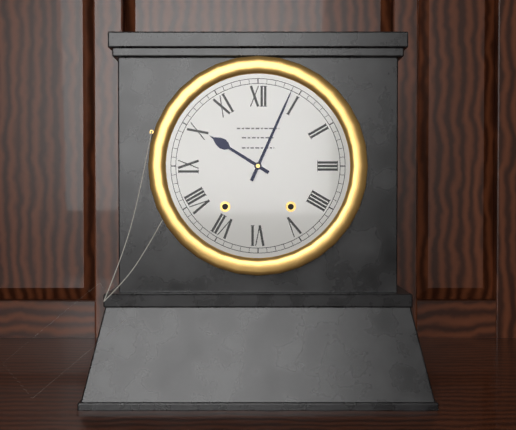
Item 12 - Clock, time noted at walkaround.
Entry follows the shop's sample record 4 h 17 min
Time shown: 10 h 04 min
